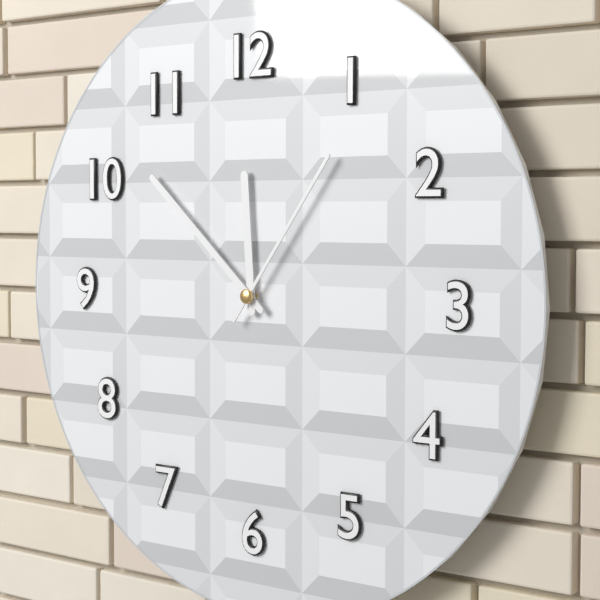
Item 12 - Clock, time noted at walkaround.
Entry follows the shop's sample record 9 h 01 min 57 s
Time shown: 11 h 52 min 06 s
